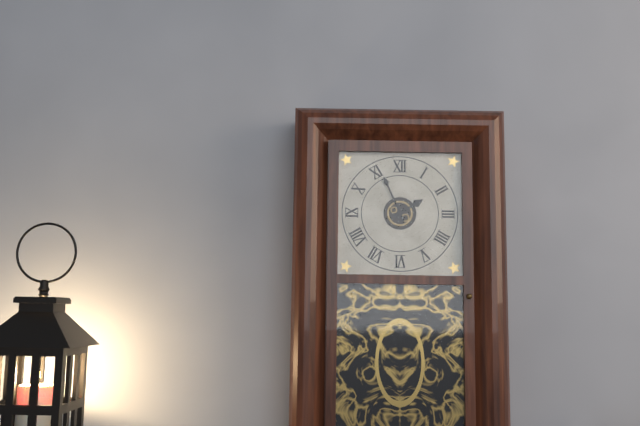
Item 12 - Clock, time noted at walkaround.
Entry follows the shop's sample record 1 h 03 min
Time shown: 1 h 56 min
